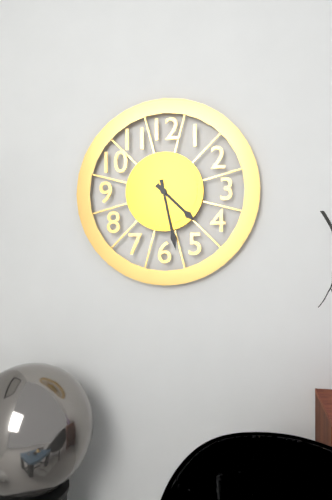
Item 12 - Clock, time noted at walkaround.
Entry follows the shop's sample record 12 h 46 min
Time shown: 4 h 28 min
